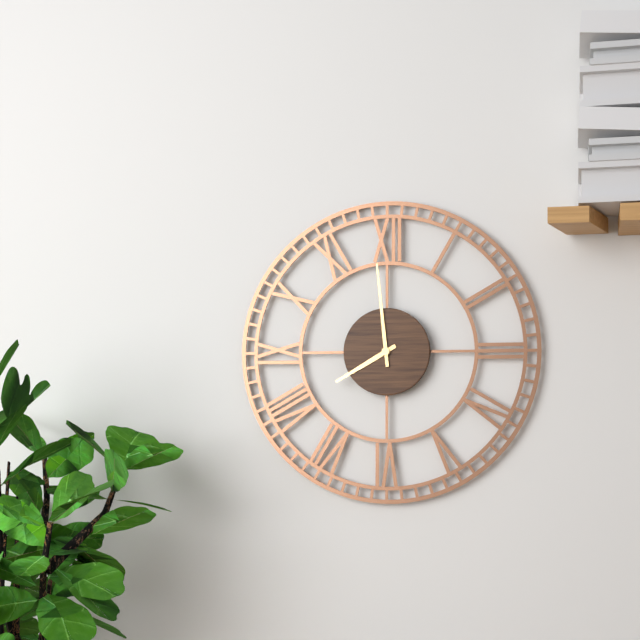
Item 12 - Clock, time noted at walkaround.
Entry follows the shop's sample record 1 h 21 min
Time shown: 7 h 59 min
